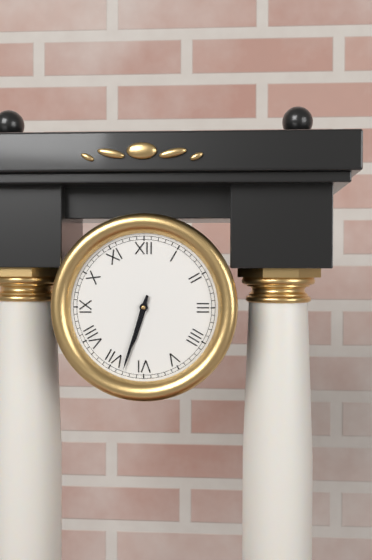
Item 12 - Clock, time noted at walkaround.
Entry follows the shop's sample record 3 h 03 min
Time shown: 6 h 33 min
